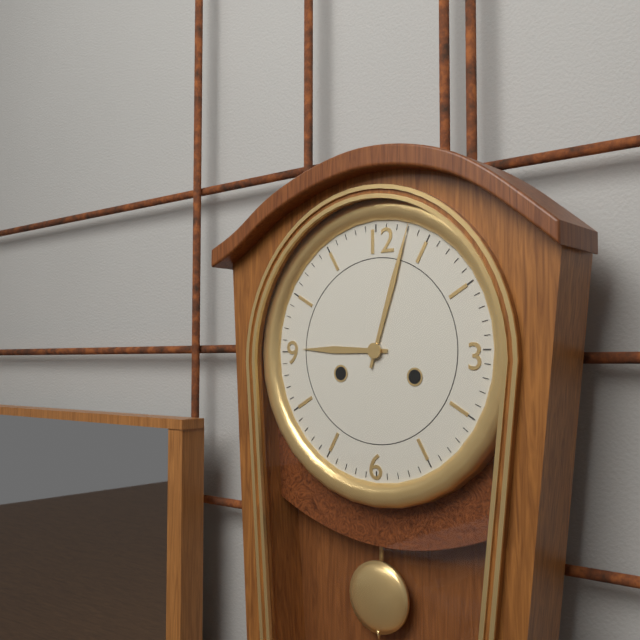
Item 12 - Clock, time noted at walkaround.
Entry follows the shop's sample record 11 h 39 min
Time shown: 9 h 03 min
